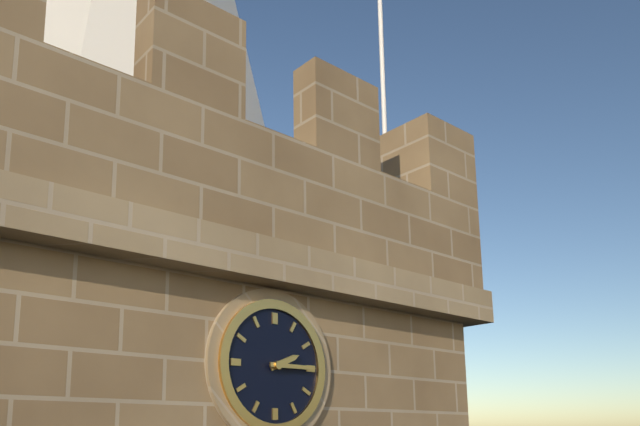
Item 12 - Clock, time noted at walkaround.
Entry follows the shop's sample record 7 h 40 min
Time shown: 2 h 15 min
